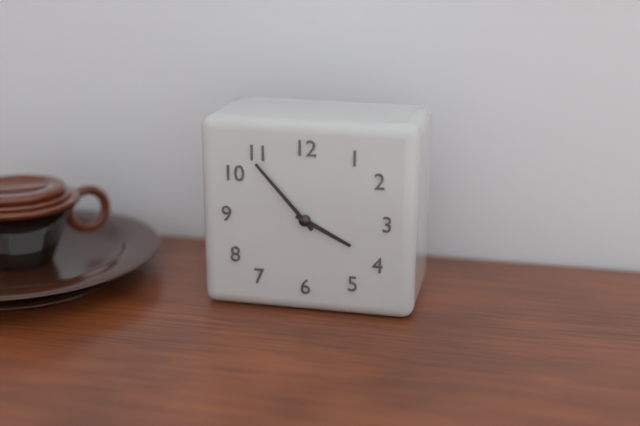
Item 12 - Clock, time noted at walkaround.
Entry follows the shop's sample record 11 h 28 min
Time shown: 3 h 53 min
